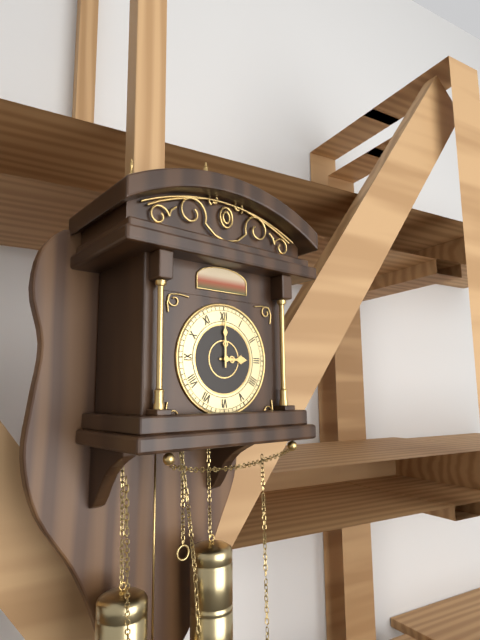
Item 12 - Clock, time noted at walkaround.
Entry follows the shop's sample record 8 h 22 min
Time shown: 3 h 00 min
